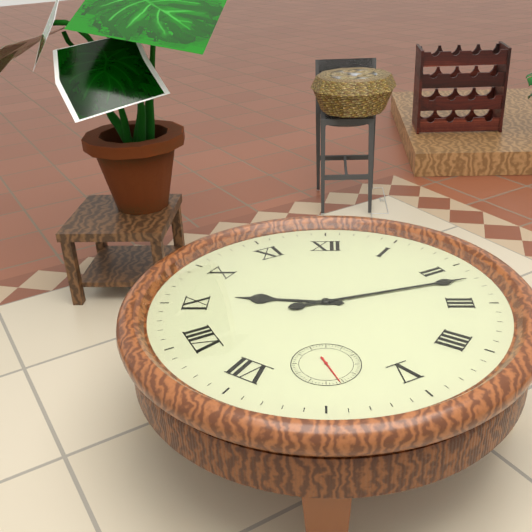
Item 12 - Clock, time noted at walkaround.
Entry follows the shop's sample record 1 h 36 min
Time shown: 9 h 12 min
